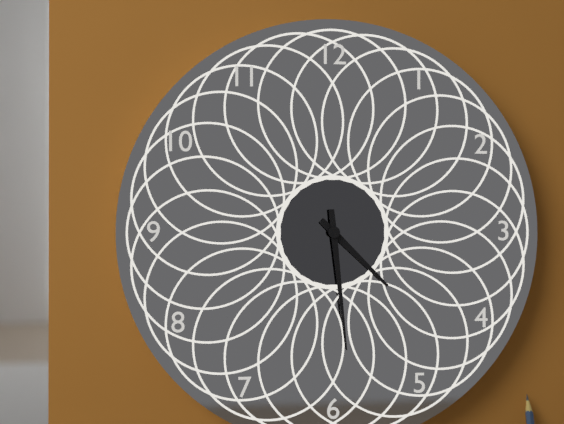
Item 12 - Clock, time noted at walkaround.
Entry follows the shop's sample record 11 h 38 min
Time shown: 4 h 29 min
